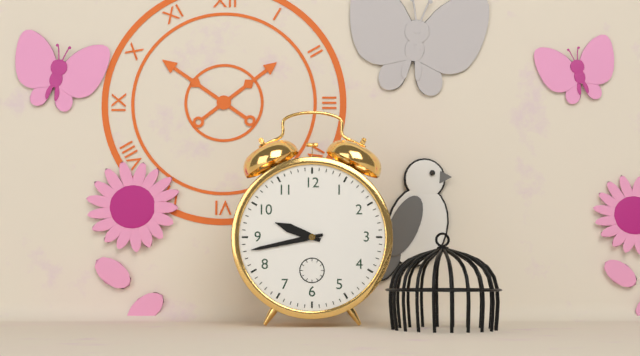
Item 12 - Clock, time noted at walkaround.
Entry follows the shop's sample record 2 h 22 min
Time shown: 9 h 43 min
